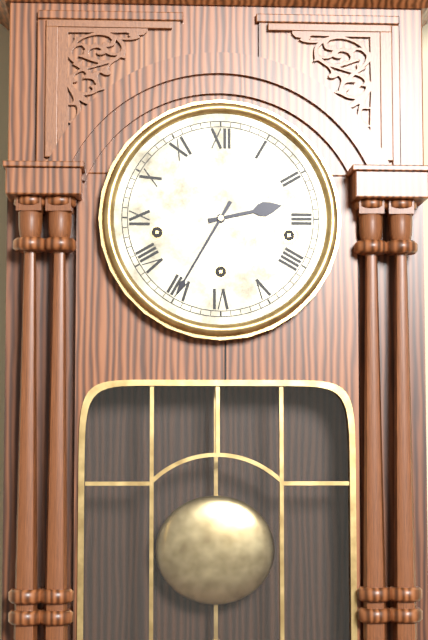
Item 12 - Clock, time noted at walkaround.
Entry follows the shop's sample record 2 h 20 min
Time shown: 2 h 35 min
